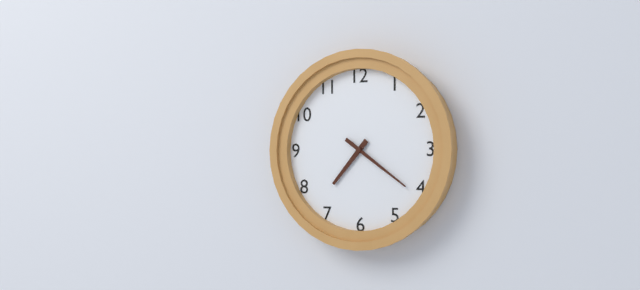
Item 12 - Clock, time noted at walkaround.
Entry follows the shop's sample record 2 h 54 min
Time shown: 7 h 21 min
